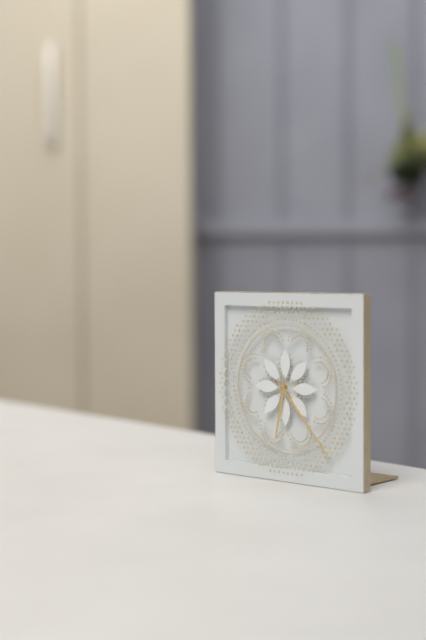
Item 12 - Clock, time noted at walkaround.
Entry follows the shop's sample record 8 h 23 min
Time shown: 6 h 23 min
